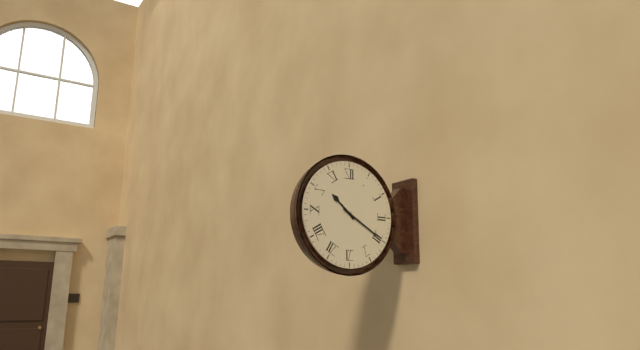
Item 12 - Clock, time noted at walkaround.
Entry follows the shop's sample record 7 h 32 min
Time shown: 10 h 20 min
